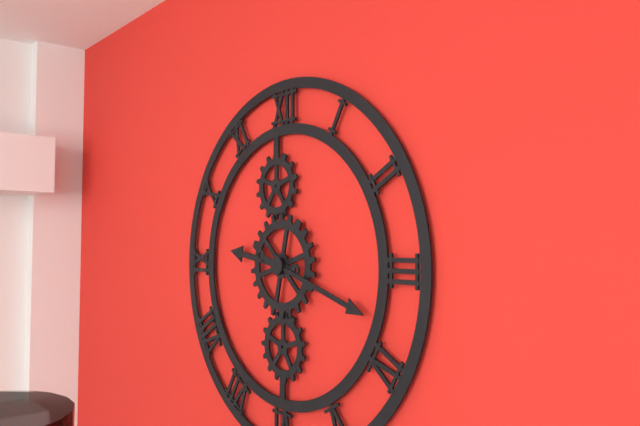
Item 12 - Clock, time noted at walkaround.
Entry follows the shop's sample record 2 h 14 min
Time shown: 9 h 18 min
